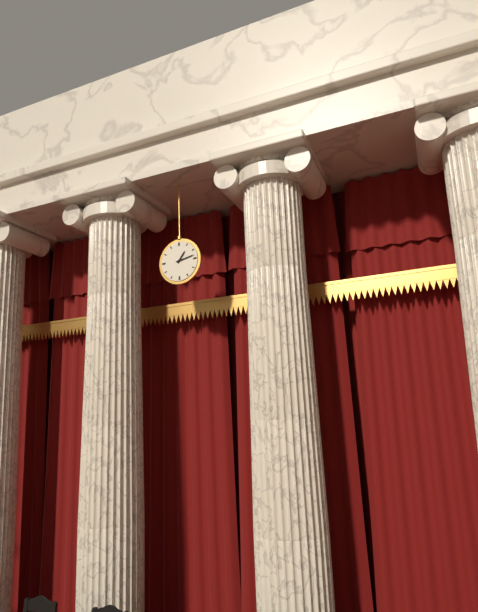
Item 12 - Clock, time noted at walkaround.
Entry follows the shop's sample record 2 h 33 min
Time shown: 1 h 13 min
